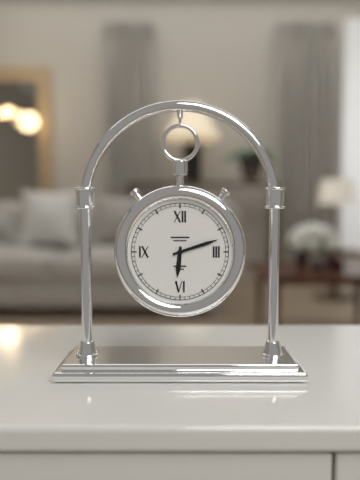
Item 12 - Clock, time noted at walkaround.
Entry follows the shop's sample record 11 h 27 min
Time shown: 6 h 12 min
